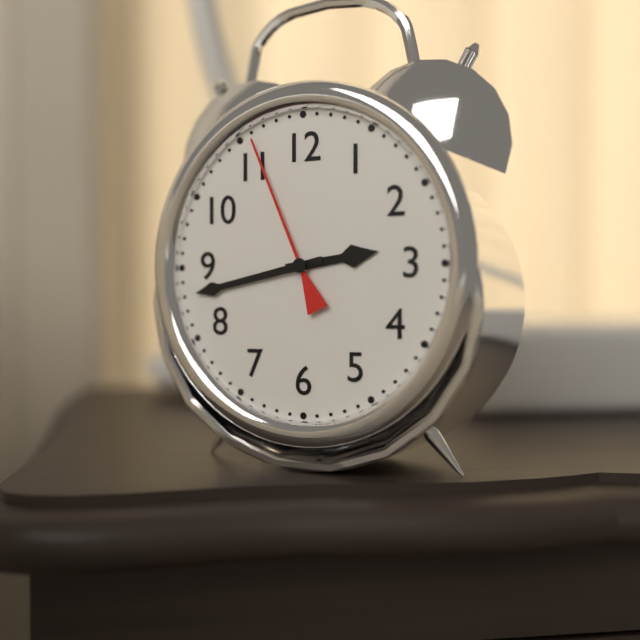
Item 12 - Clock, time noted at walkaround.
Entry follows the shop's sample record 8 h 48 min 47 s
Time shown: 2 h 43 min 56 s
